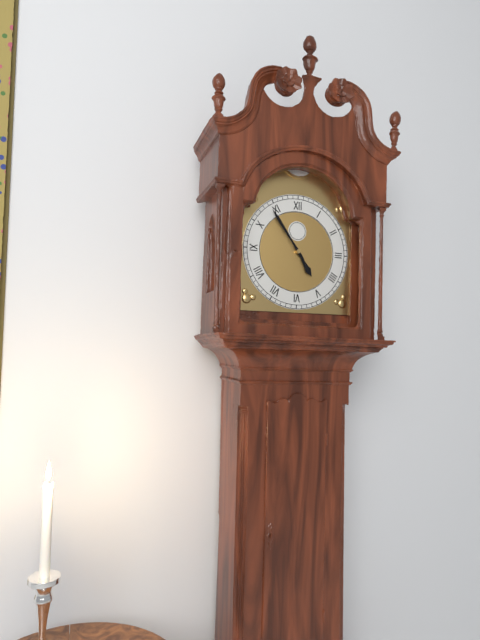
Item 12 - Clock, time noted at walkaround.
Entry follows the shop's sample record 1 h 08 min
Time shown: 4 h 54 min
